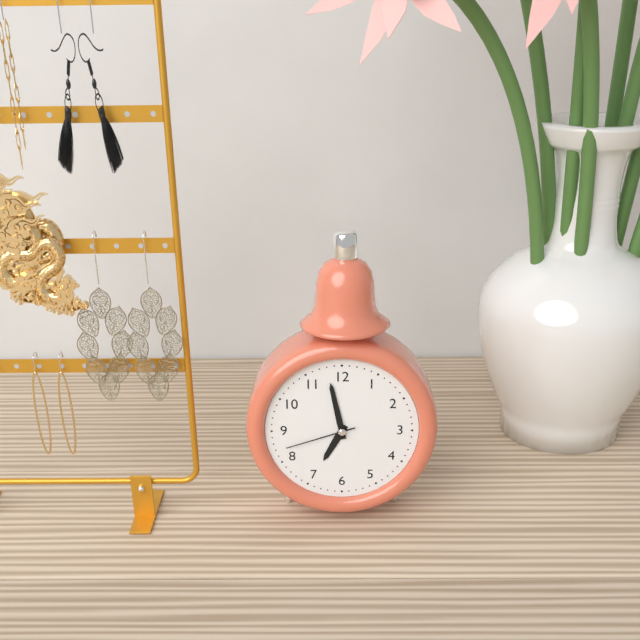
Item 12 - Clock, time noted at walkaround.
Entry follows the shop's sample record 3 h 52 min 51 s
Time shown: 6 h 58 min 42 s
